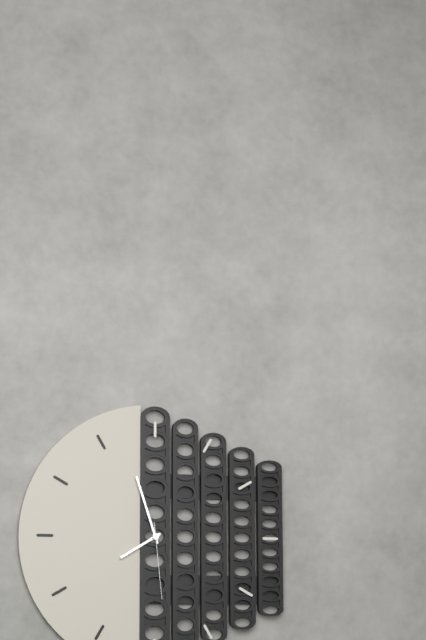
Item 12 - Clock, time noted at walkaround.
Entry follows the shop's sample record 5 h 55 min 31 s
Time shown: 7 h 57 min 29 s
